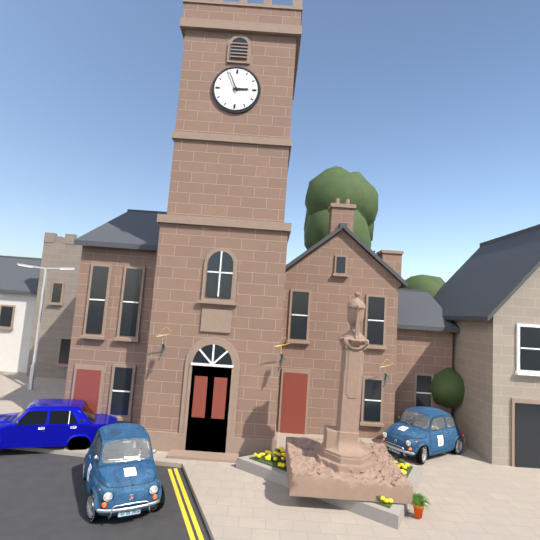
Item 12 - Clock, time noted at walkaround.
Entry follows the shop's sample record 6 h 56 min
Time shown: 2 h 56 min
